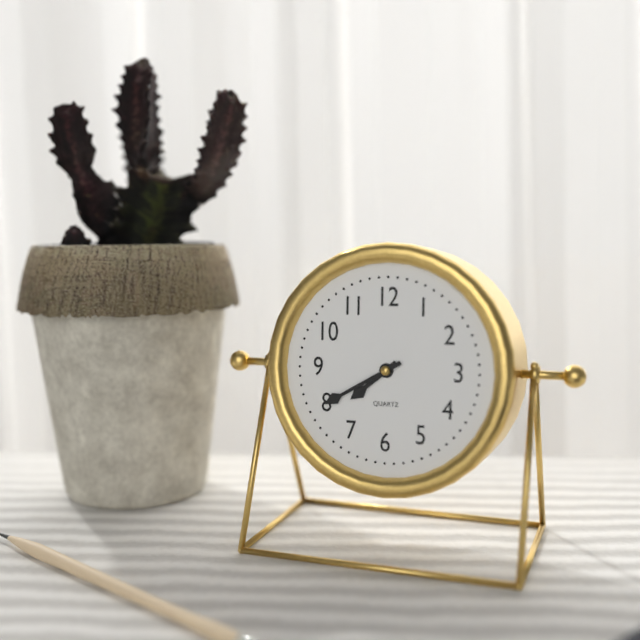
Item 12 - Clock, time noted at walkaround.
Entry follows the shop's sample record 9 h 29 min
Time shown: 7 h 40 min
